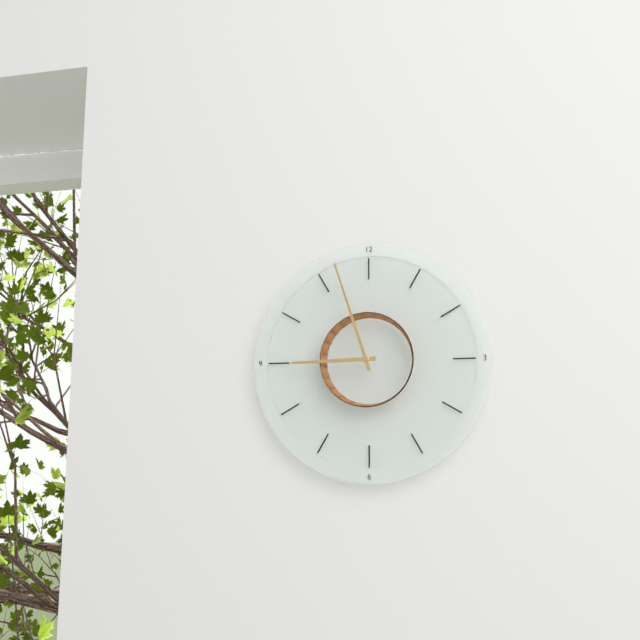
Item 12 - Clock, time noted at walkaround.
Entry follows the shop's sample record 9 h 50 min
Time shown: 8 h 57 min
